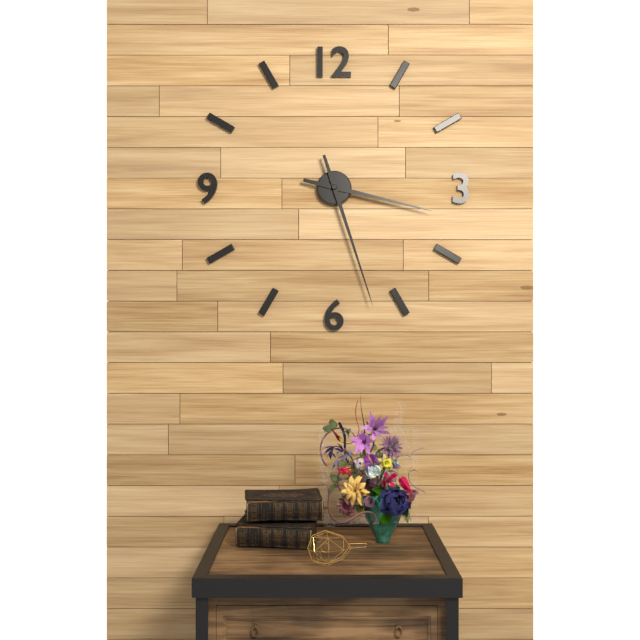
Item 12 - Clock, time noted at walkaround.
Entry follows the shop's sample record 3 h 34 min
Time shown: 3 h 27 min
